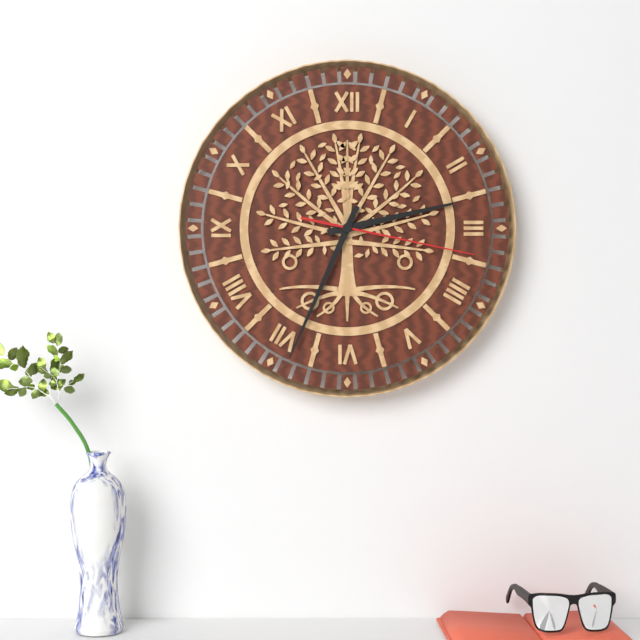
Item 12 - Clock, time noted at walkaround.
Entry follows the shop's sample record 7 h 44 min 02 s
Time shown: 2 h 34 min 17 s
